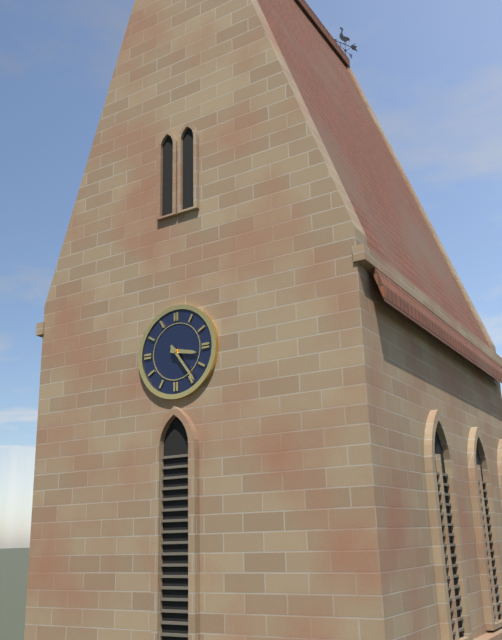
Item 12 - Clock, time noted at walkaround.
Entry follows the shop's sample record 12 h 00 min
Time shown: 3 h 24 min
